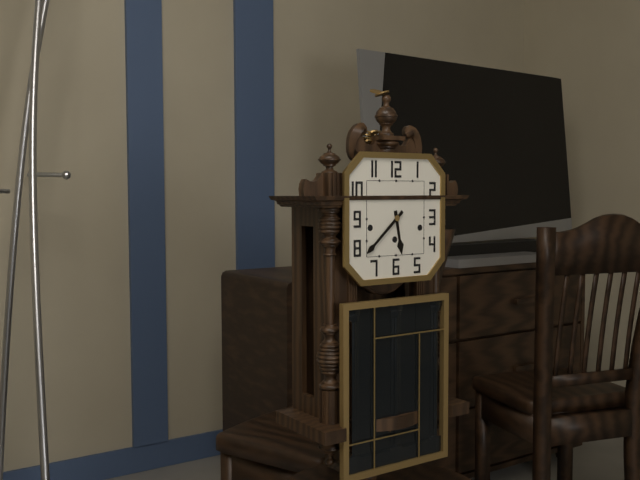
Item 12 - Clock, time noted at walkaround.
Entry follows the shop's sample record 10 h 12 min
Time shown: 5 h 38 min
